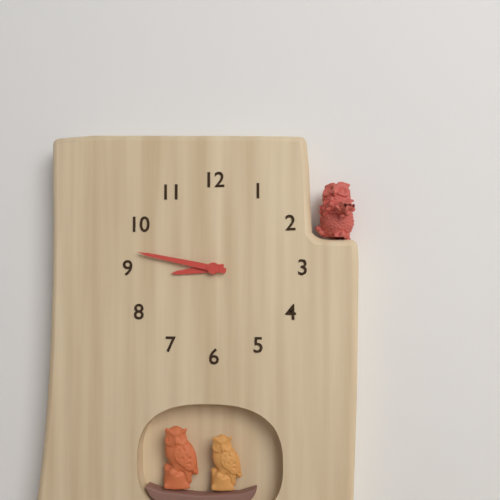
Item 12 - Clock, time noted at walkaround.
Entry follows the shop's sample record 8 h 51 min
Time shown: 8 h 47 min
